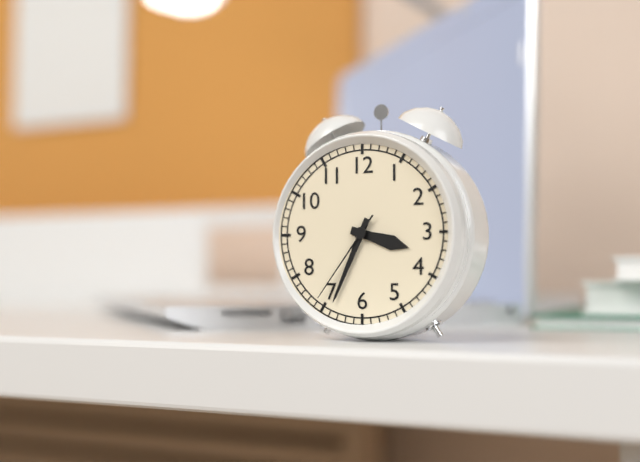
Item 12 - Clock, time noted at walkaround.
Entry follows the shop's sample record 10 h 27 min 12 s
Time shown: 3 h 34 min 36 s
